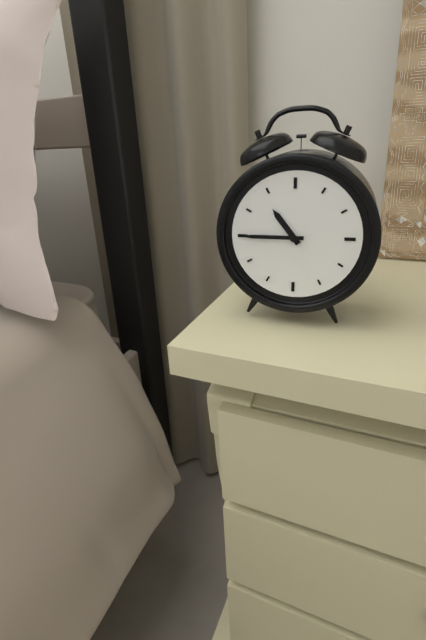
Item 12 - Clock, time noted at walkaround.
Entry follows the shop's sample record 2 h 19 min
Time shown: 10 h 45 min
